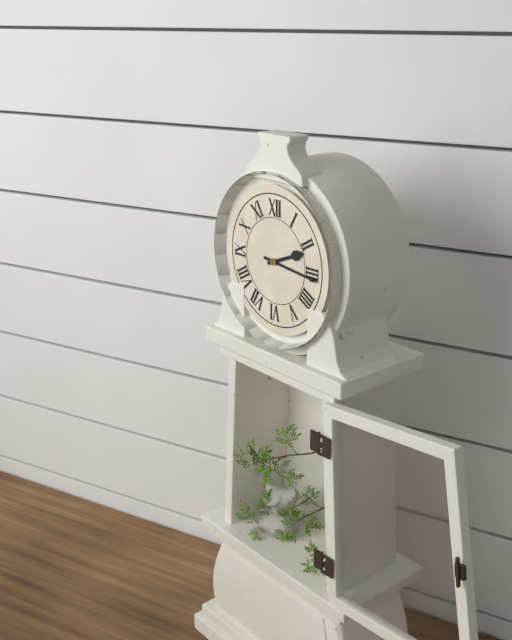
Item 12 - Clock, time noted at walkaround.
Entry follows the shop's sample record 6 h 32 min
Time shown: 2 h 16 min
